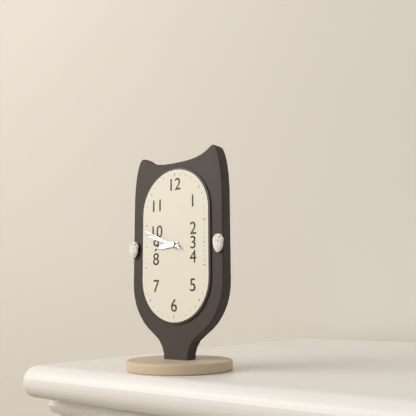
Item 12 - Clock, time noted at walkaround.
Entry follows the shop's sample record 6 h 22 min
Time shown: 8 h 48 min
